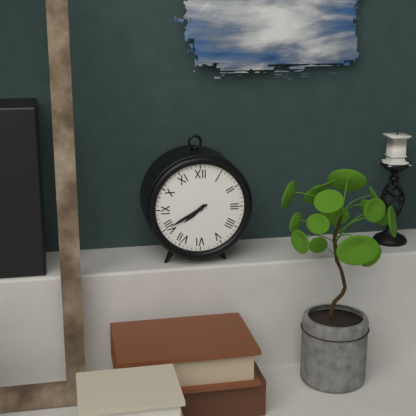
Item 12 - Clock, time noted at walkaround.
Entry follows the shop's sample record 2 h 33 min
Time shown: 7 h 40 min
